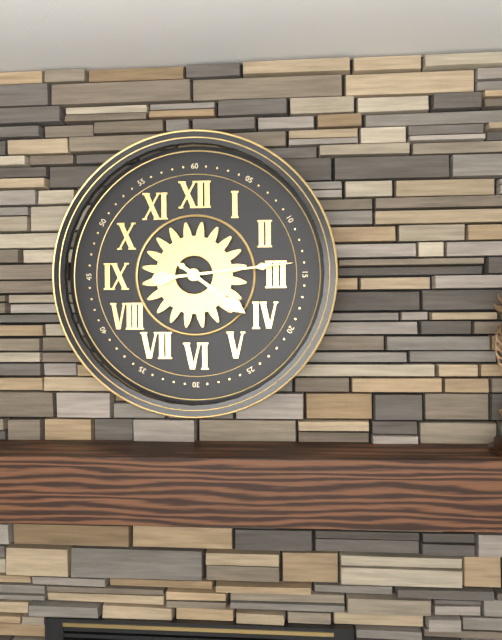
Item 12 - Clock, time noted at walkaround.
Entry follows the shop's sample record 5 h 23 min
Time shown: 4 h 14 min
